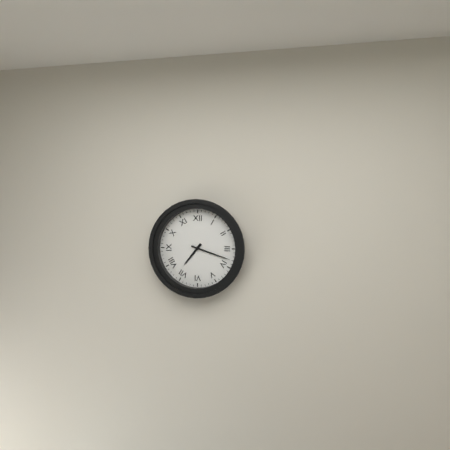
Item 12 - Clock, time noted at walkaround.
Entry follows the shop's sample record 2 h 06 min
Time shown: 7 h 18 min
